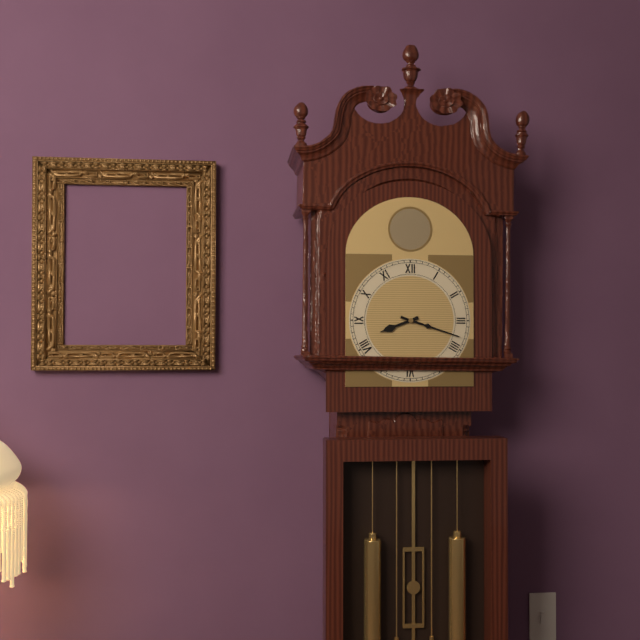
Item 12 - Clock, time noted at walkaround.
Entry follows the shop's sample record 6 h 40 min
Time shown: 8 h 18 min
